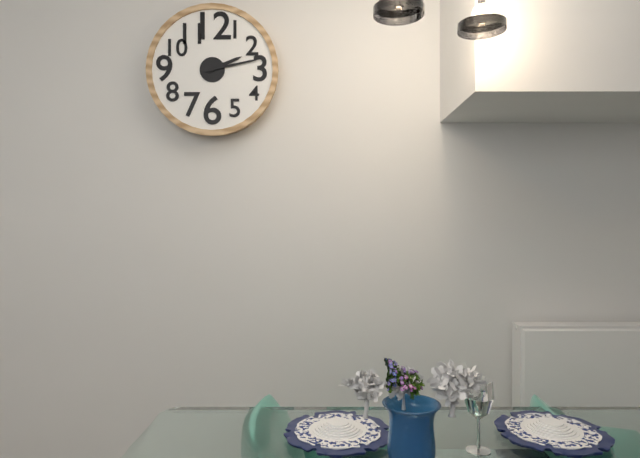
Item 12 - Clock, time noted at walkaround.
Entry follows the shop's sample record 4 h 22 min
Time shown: 2 h 13 min
